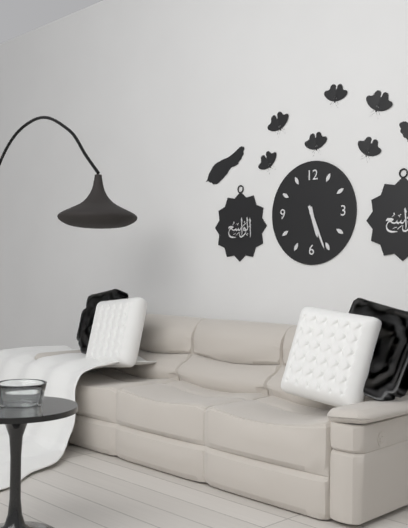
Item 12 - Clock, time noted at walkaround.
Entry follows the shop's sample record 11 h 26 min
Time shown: 5 h 26 min
